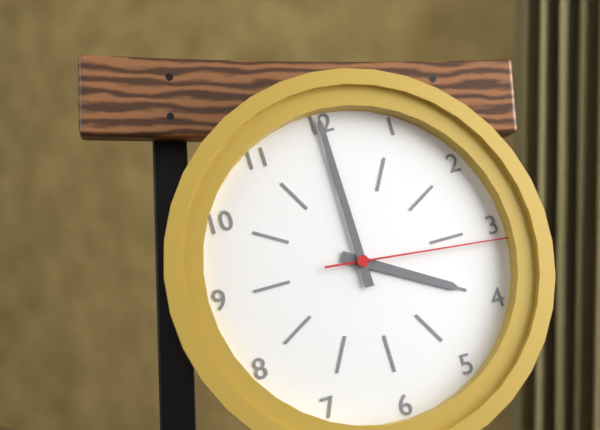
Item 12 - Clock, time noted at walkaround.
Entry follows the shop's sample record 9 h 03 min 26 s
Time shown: 4 h 00 min 16 s
